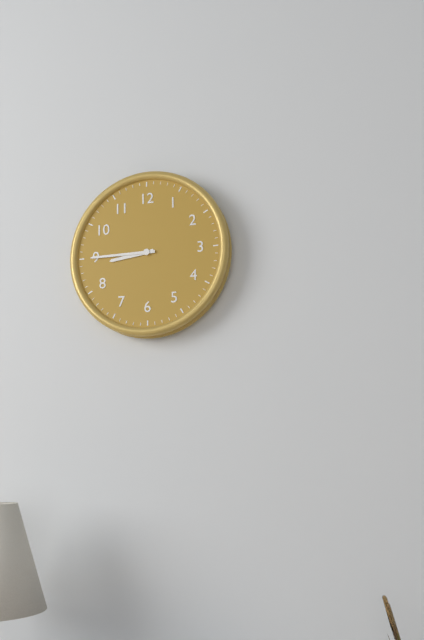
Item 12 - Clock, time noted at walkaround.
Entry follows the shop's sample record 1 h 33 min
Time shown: 8 h 45 min
